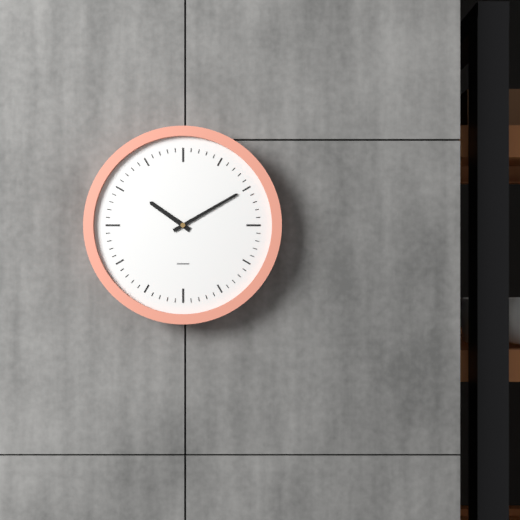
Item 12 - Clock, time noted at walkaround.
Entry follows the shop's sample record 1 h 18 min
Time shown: 10 h 10 min
